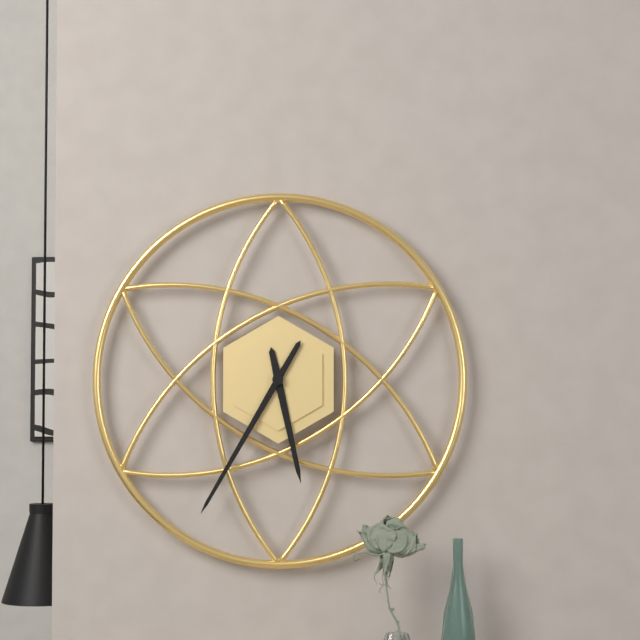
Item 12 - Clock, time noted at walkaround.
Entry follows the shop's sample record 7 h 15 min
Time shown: 5 h 35 min
